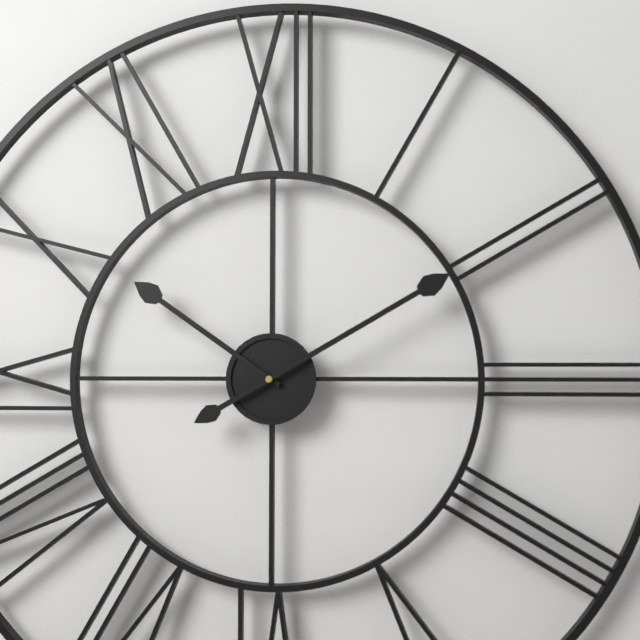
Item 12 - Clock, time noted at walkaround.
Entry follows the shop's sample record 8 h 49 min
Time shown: 10 h 10 min
